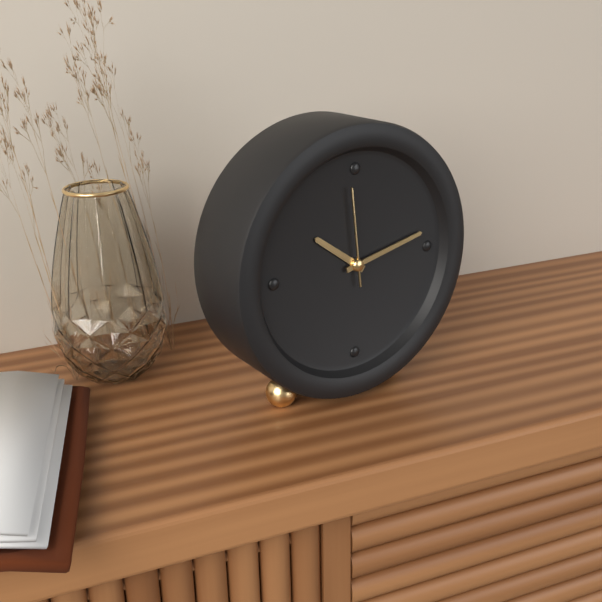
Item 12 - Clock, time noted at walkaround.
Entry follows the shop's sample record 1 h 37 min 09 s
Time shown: 10 h 13 min 59 s
